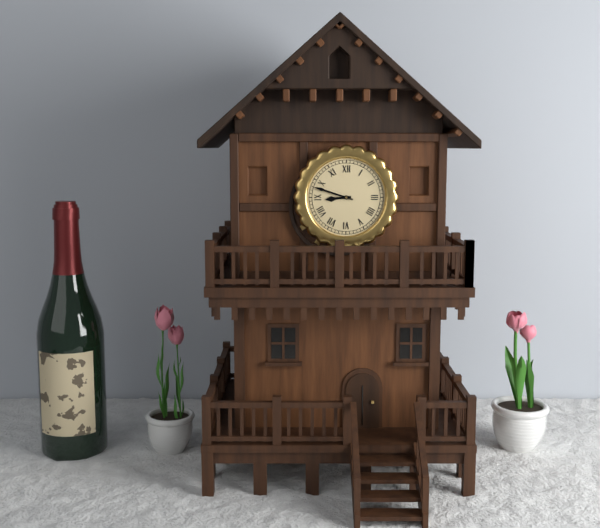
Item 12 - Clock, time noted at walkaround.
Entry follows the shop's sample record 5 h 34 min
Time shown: 8 h 48 min
